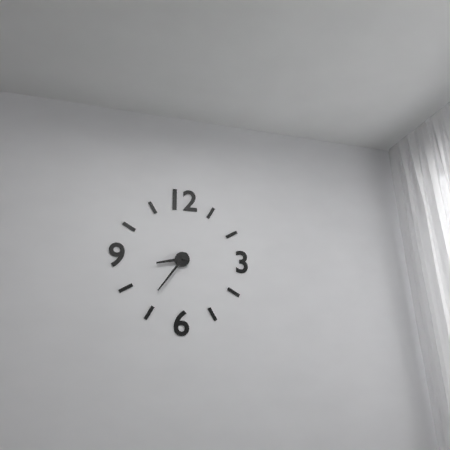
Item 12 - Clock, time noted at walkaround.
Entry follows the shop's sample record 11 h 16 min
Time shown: 8 h 36 min
